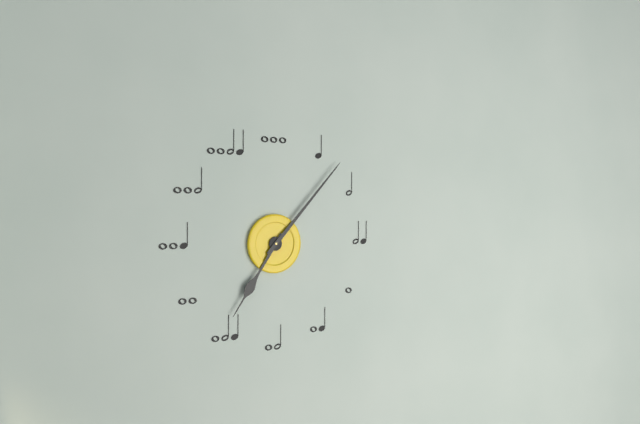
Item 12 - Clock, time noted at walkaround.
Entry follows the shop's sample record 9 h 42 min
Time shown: 7 h 07 min
